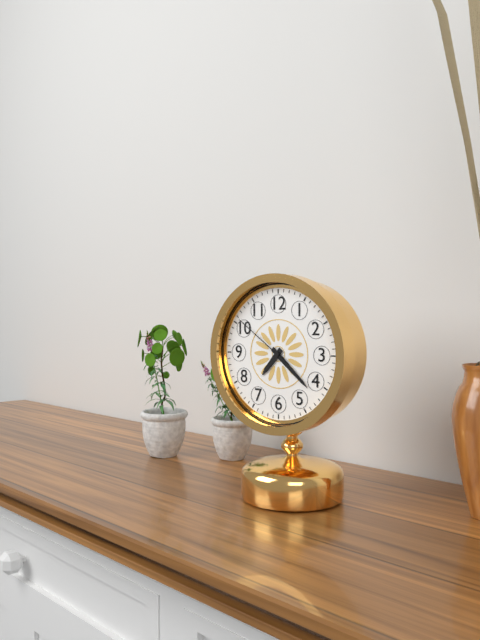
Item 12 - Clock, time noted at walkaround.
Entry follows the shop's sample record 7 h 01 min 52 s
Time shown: 7 h 22 min 51 s
